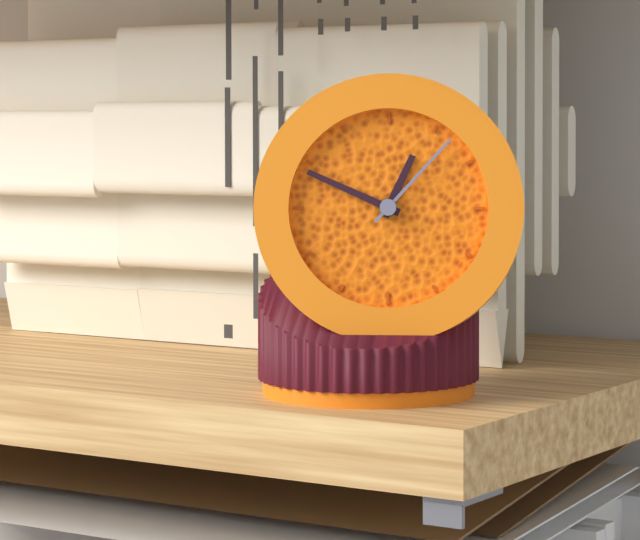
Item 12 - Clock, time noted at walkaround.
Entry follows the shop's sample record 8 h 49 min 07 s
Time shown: 12 h 49 min 07 s
